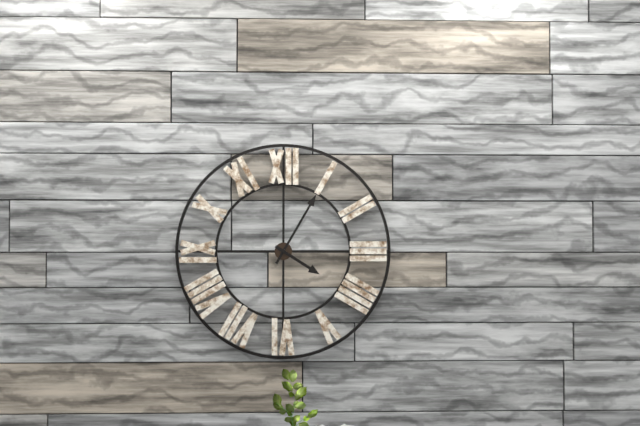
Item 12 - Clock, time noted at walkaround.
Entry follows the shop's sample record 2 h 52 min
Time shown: 4 h 05 min
